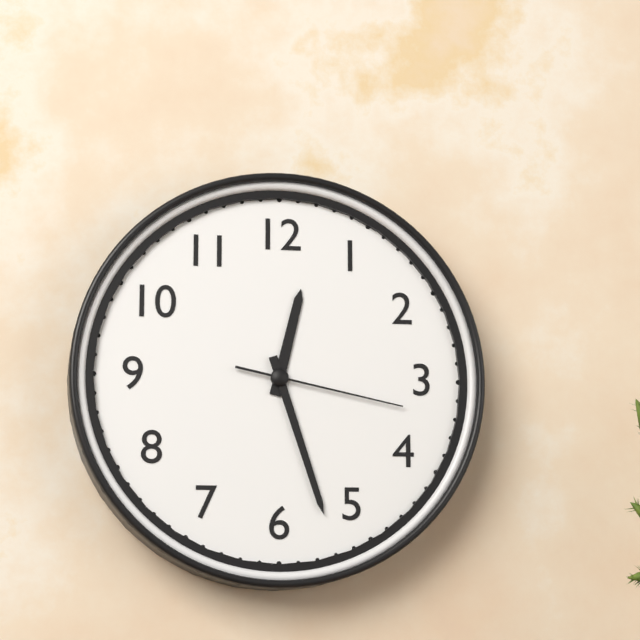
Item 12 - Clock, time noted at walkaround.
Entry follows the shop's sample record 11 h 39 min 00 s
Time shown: 12 h 27 min 17 s
